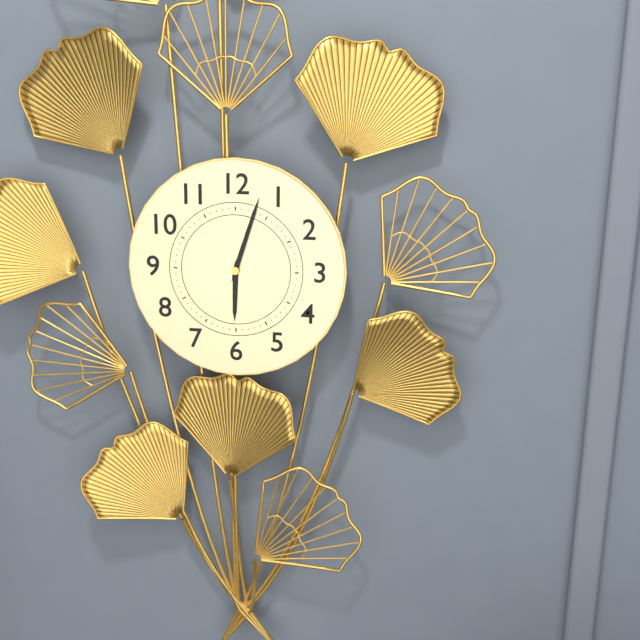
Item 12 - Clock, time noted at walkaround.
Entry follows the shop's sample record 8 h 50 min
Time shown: 6 h 03 min
